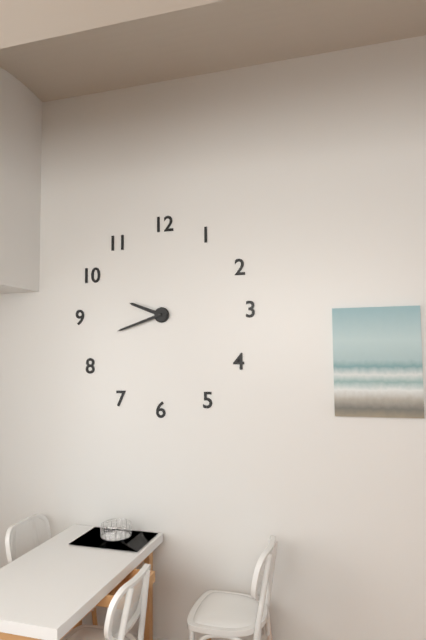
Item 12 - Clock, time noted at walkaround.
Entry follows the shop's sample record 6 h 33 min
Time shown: 9 h 42 min
